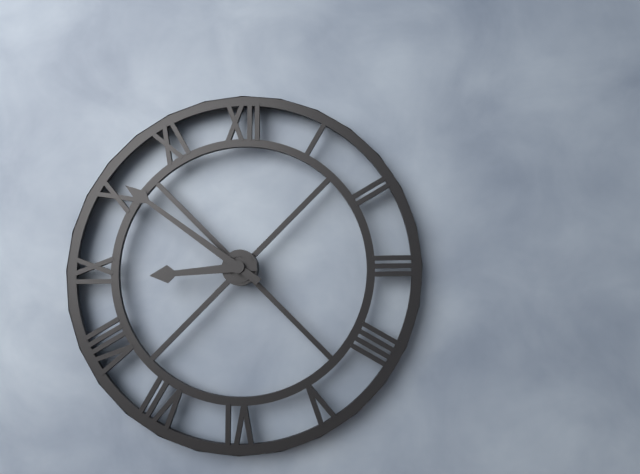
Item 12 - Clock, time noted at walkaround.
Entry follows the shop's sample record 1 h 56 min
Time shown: 8 h 51 min
